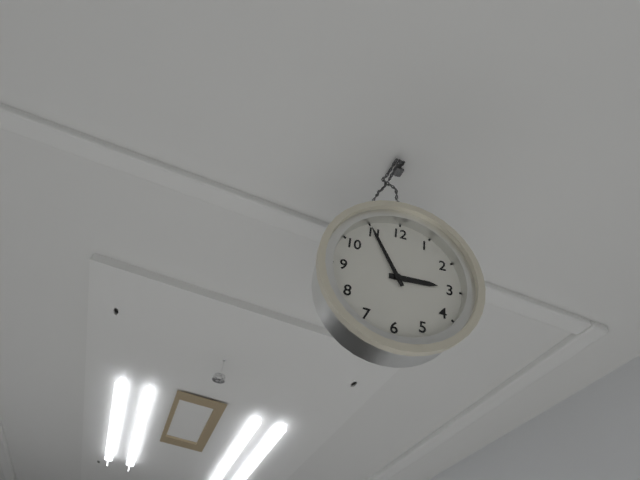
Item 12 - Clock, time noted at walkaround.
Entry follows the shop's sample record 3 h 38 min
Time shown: 2 h 55 min
